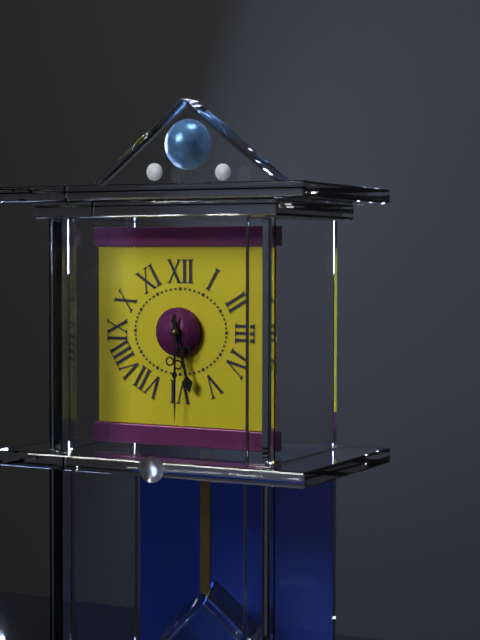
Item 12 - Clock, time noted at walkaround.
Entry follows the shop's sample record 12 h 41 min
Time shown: 5 h 30 min
